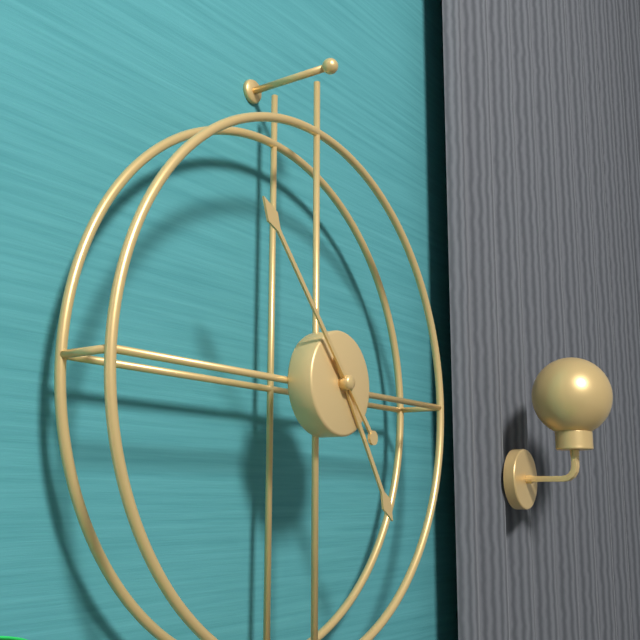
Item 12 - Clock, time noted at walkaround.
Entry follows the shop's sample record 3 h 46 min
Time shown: 4 h 53 min
